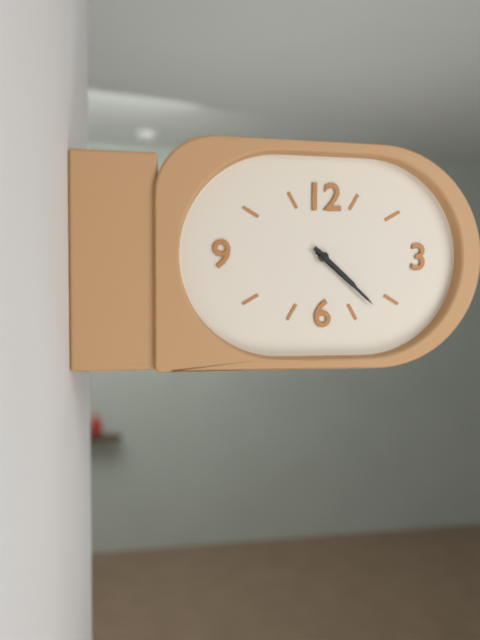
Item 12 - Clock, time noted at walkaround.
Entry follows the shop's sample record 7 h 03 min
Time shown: 4 h 22 min
